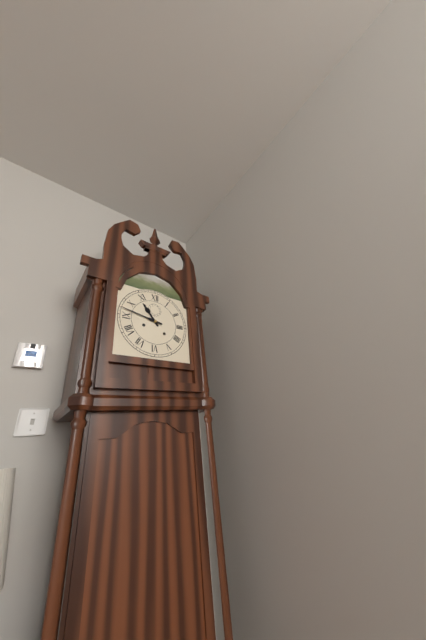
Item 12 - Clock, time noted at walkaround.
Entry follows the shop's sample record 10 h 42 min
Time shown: 10 h 47 min
